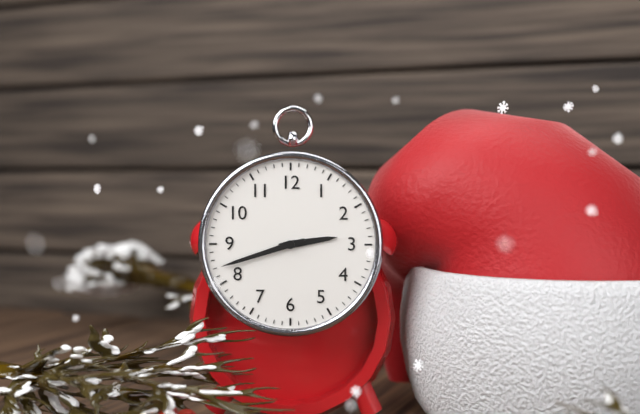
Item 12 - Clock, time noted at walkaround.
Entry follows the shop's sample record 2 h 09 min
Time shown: 2 h 42 min
